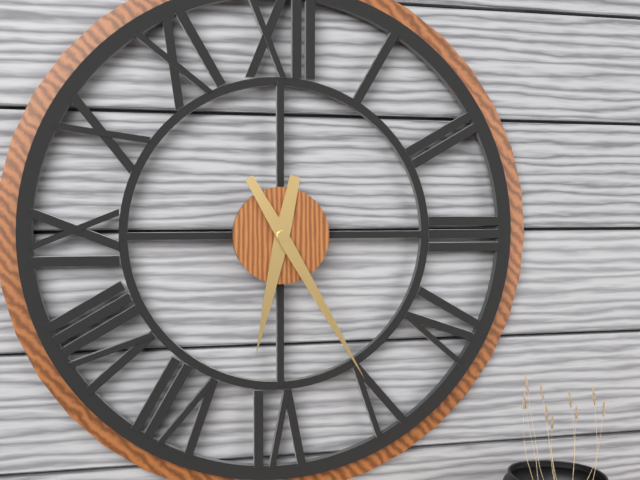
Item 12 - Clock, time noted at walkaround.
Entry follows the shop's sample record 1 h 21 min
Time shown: 6 h 25 min
